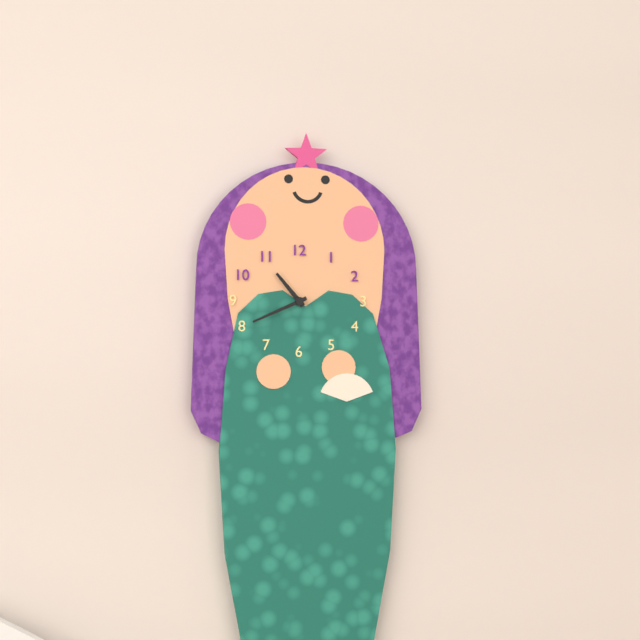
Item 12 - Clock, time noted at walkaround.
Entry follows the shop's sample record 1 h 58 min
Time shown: 10 h 41 min
